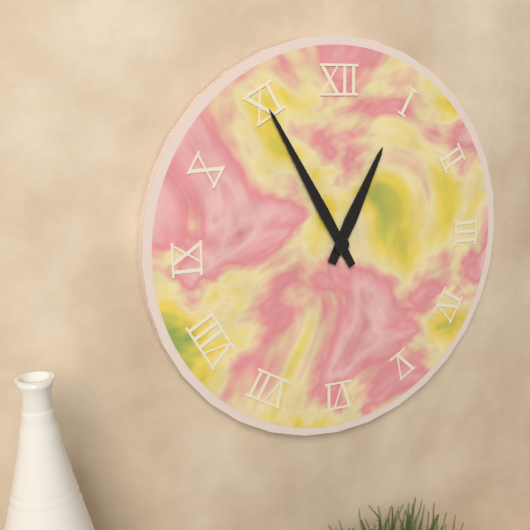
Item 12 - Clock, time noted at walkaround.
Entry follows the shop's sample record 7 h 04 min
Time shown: 12 h 55 min
